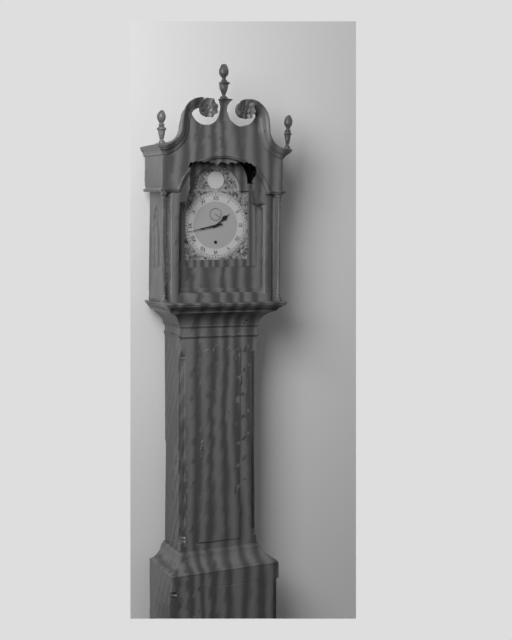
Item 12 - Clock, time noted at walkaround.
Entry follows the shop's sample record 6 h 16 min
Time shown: 1 h 43 min
